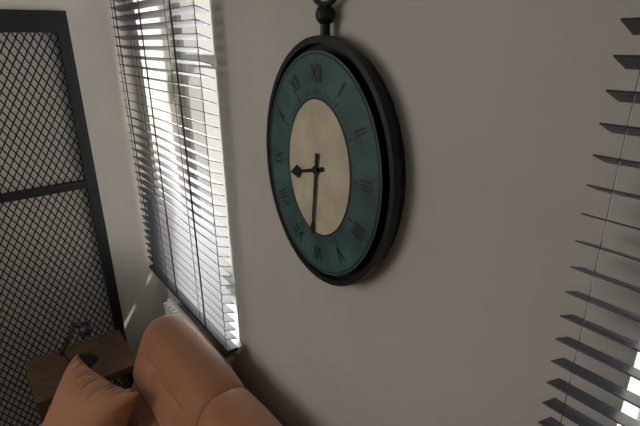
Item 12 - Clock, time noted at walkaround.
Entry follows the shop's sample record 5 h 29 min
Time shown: 8 h 31 min
